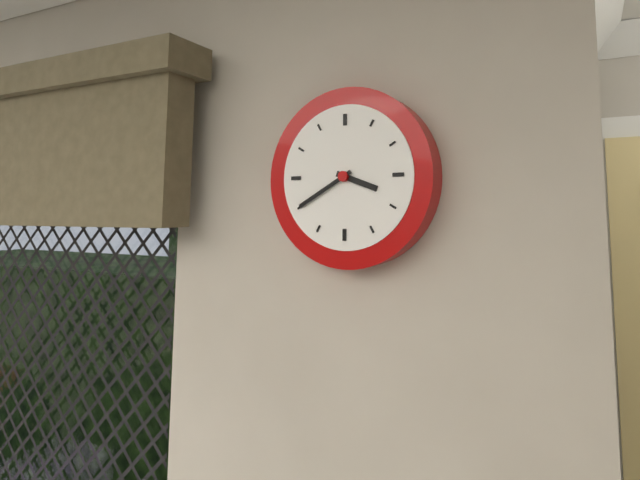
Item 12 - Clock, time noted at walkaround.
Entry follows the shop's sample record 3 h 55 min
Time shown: 3 h 40 min
